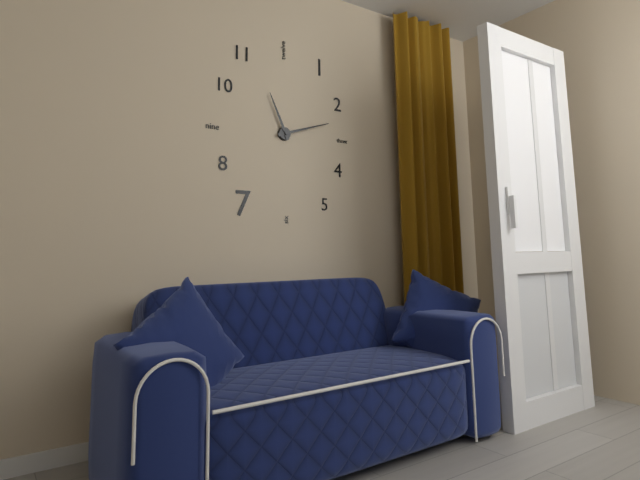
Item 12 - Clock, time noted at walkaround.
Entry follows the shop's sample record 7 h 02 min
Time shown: 11 h 12 min
